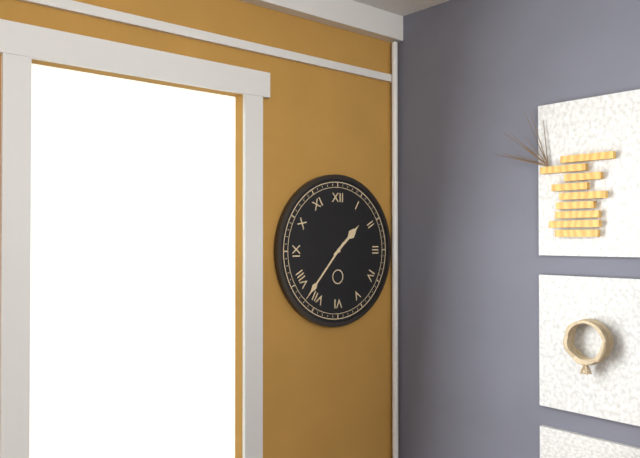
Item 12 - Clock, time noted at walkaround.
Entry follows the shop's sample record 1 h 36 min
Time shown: 1 h 37 min
